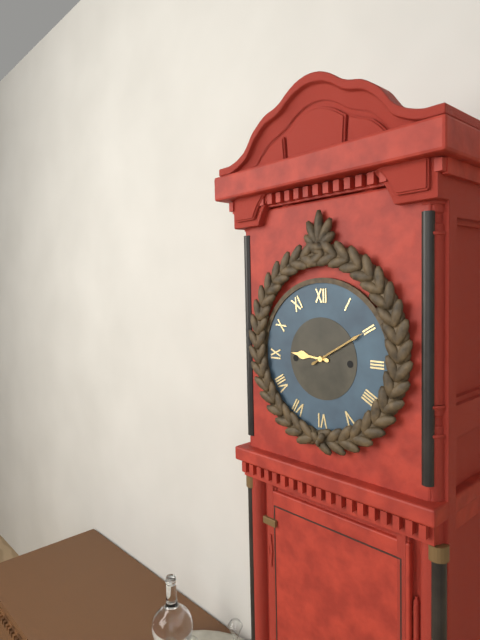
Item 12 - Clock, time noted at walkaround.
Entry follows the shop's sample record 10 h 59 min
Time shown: 9 h 10 min
